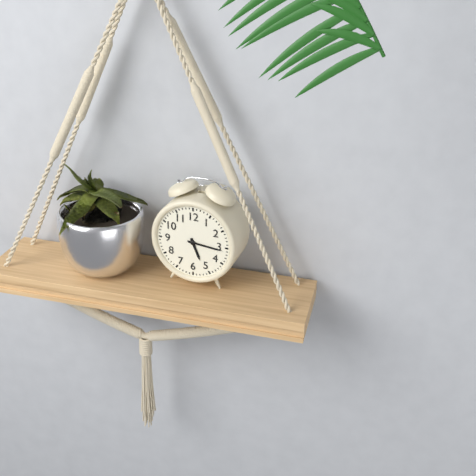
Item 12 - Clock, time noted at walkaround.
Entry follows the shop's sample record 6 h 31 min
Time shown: 5 h 16 min
